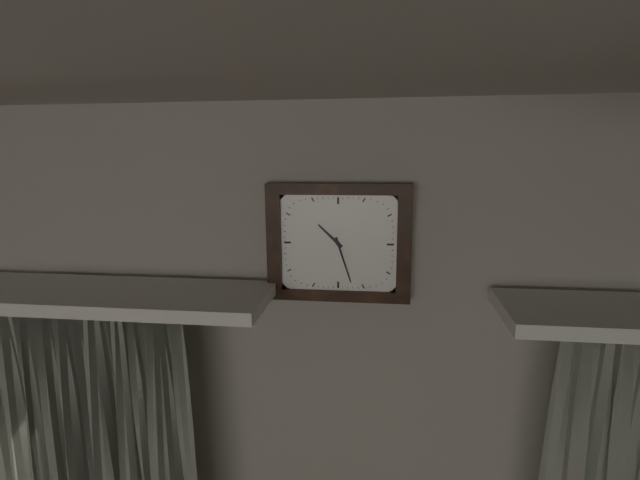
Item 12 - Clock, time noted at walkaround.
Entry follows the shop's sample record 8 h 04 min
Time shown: 10 h 27 min
